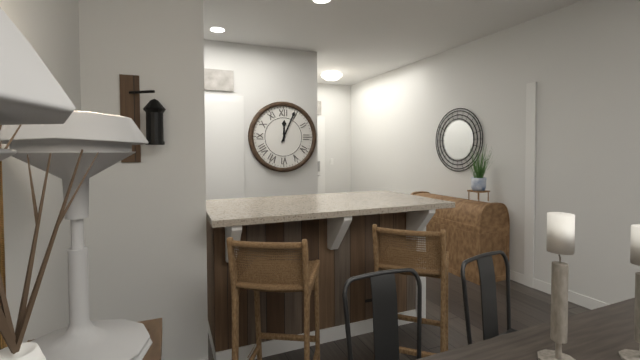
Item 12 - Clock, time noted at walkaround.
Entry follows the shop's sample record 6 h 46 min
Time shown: 12 h 04 min
